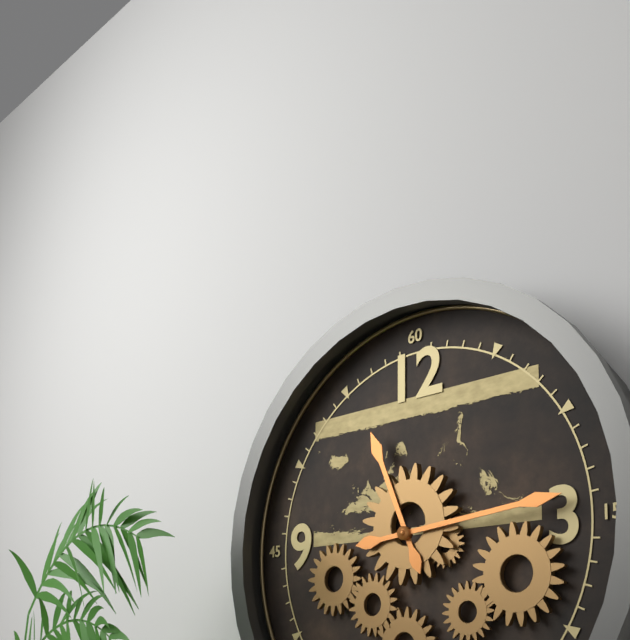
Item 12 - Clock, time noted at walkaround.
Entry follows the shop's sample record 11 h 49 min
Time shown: 11 h 14 min
